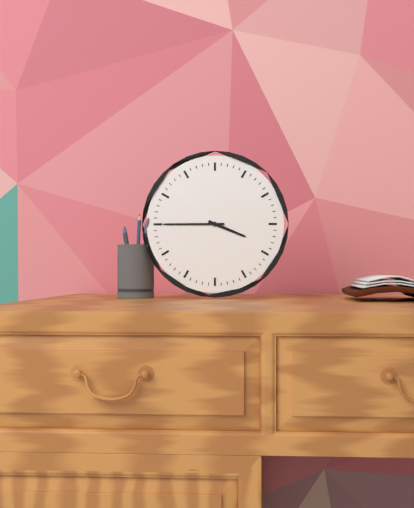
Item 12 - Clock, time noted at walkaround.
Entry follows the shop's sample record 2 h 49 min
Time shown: 3 h 45 min
